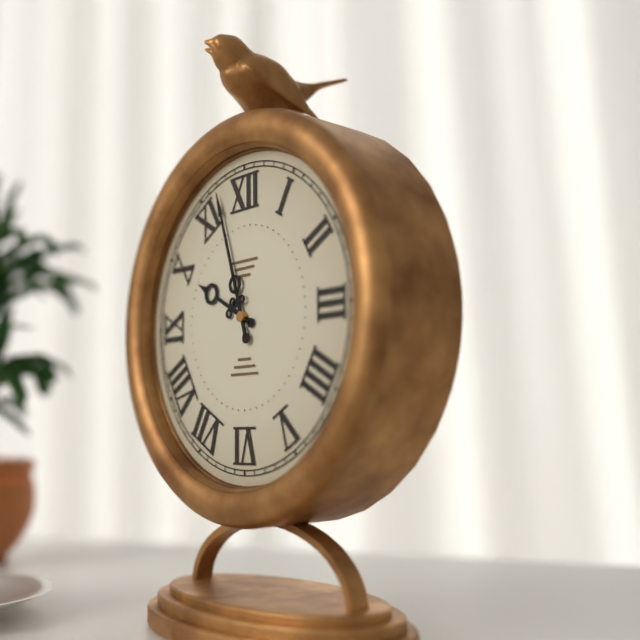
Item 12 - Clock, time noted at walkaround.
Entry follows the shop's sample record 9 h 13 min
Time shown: 9 h 57 min
